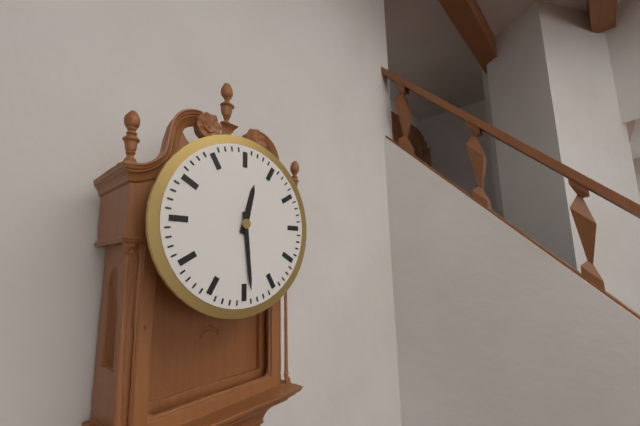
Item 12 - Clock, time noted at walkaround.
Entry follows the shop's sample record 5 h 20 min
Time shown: 12 h 29 min
